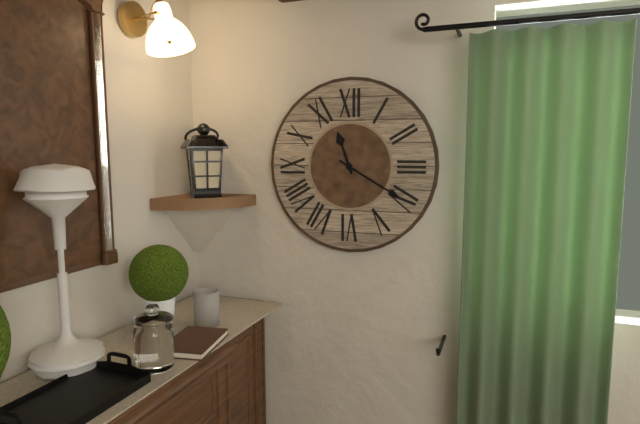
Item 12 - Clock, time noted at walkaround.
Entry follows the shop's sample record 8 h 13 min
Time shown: 11 h 20 min
